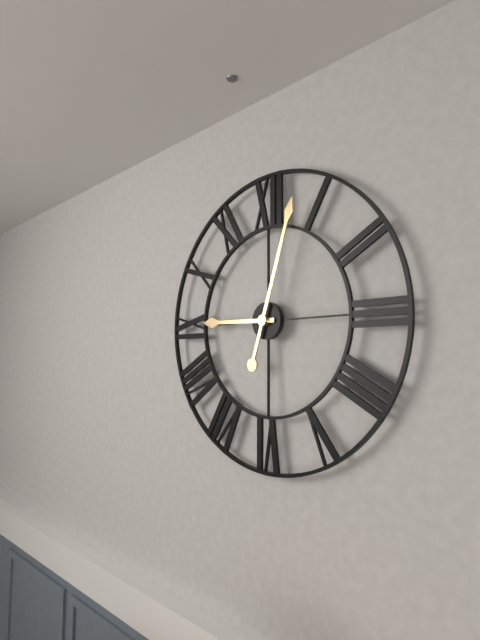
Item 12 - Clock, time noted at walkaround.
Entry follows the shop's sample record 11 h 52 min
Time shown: 9 h 03 min
